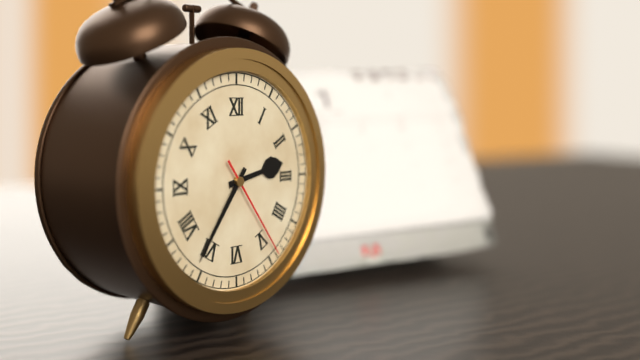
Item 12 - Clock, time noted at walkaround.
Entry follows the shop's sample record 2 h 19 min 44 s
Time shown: 2 h 36 min 24 s
